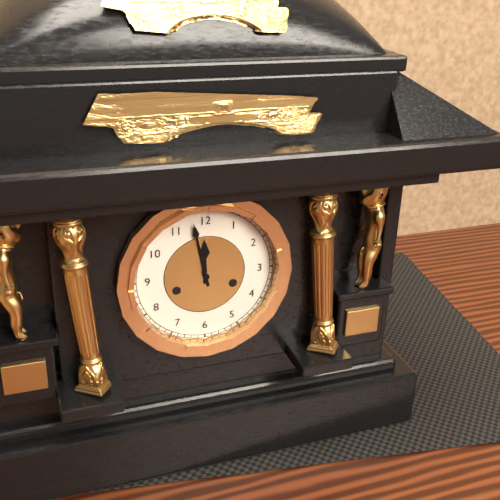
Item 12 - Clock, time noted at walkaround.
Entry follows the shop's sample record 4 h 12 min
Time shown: 11 h 58 min
